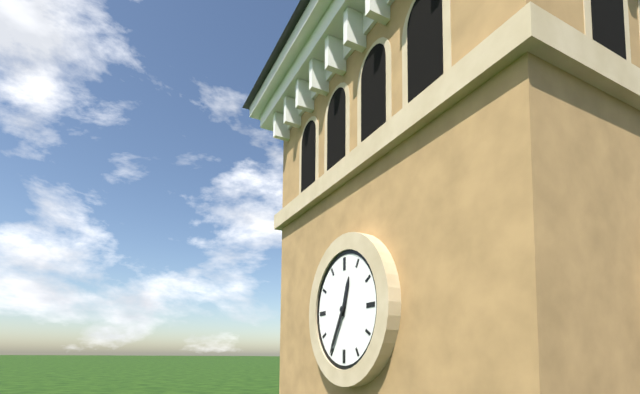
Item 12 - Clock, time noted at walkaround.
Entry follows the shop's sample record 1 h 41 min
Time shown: 12 h 35 min
